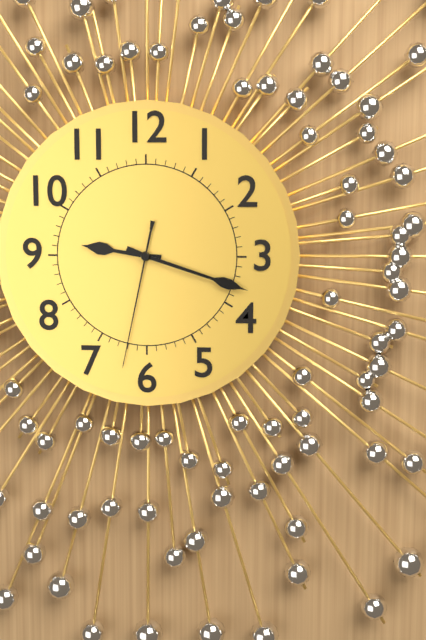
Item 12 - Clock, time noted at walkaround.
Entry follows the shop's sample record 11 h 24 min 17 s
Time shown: 9 h 18 min 32 s
